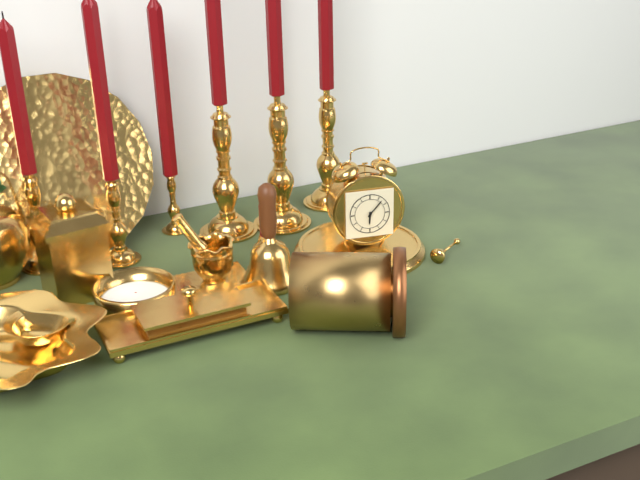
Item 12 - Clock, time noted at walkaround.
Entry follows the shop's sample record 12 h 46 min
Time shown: 6 h 07 min
